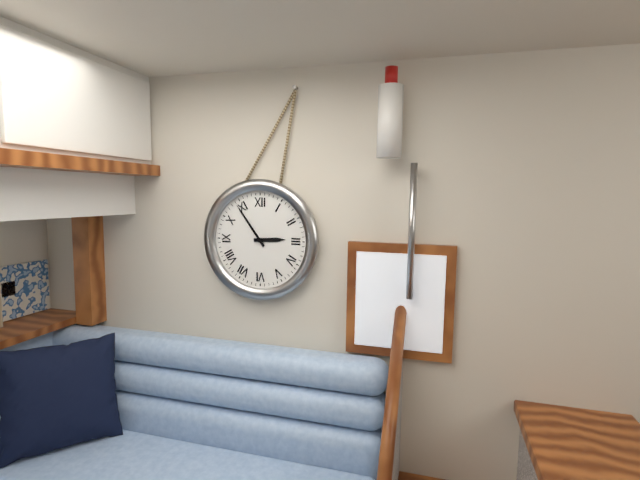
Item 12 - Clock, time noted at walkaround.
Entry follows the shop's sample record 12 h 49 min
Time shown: 2 h 54 min
